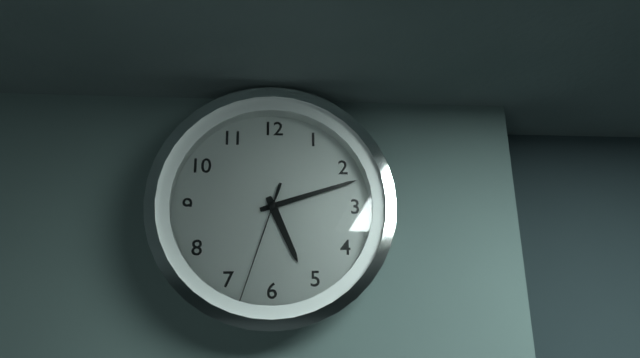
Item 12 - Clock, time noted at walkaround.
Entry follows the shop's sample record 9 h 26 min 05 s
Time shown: 5 h 12 min 33 s
